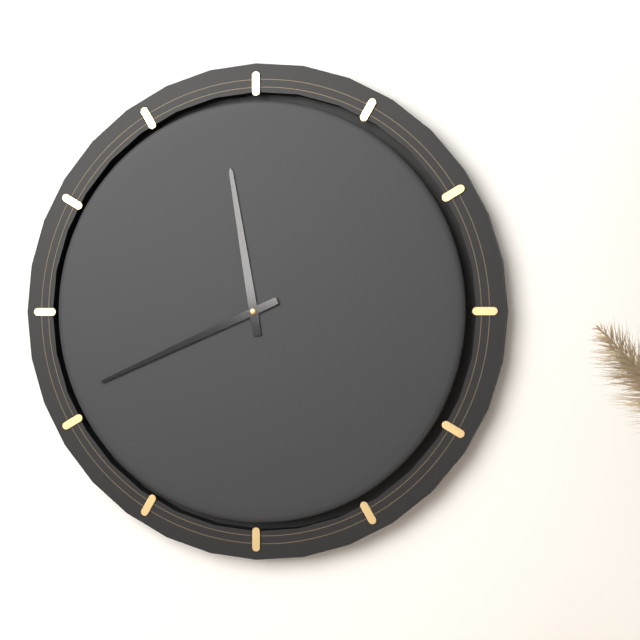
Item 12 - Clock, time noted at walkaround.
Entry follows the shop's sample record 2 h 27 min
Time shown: 11 h 41 min
